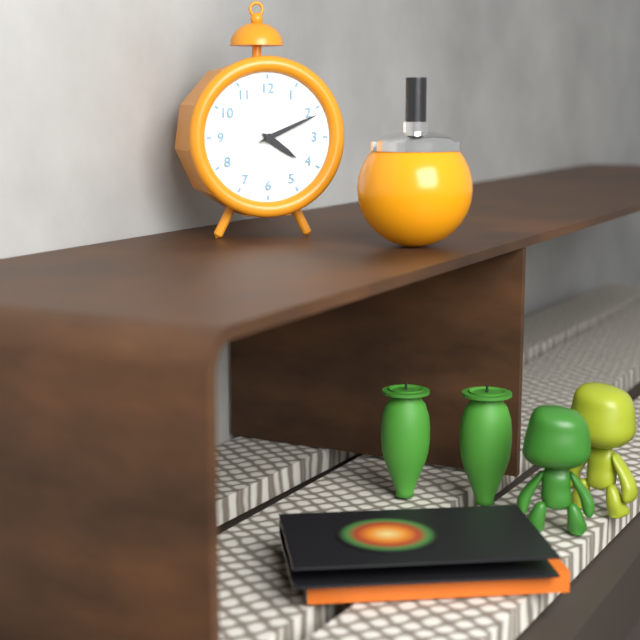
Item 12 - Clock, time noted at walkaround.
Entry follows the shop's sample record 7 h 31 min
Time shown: 4 h 11 min
